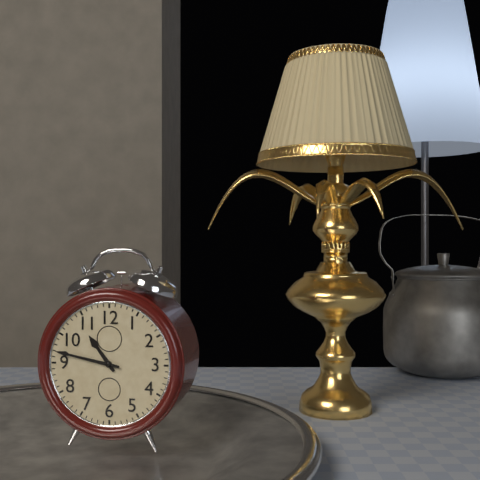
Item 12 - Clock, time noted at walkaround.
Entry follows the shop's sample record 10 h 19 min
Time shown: 10 h 47 min
